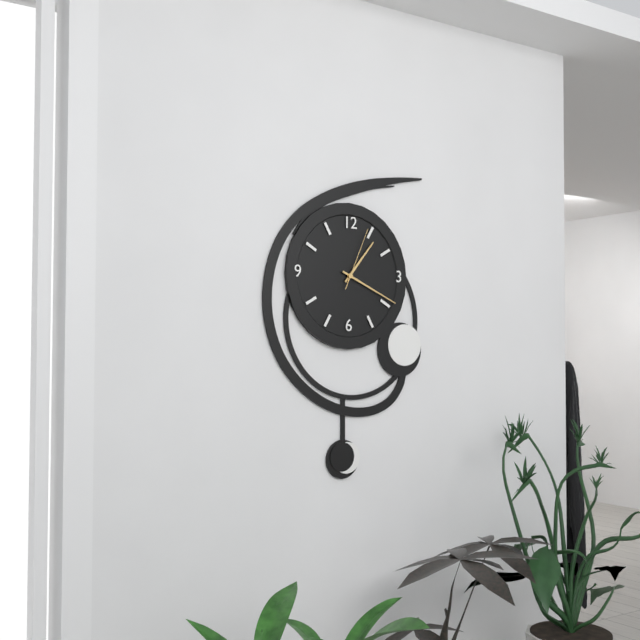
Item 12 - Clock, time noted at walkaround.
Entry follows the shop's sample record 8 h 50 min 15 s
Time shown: 1 h 19 min 04 s
